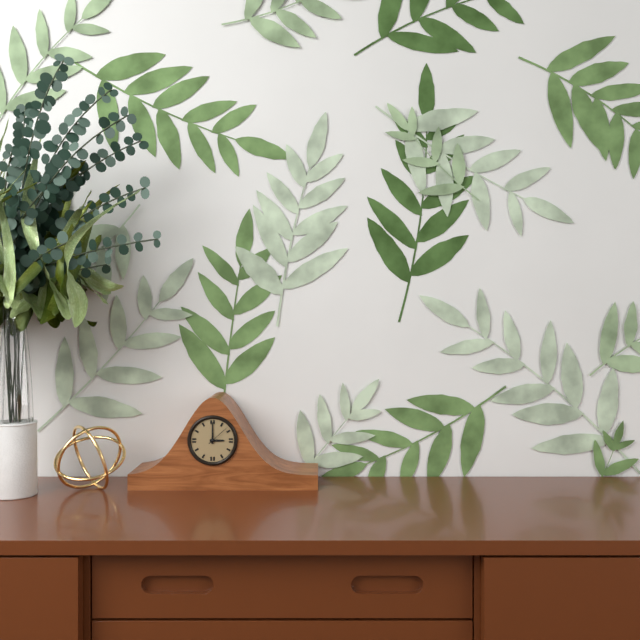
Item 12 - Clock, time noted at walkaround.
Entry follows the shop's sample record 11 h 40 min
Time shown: 3 h 00 min
